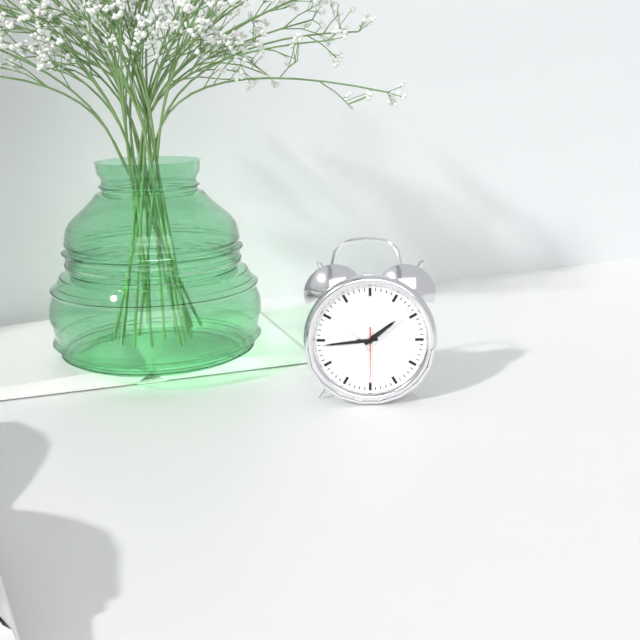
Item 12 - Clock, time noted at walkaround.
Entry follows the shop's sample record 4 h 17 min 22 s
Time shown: 1 h 44 min 30 s
